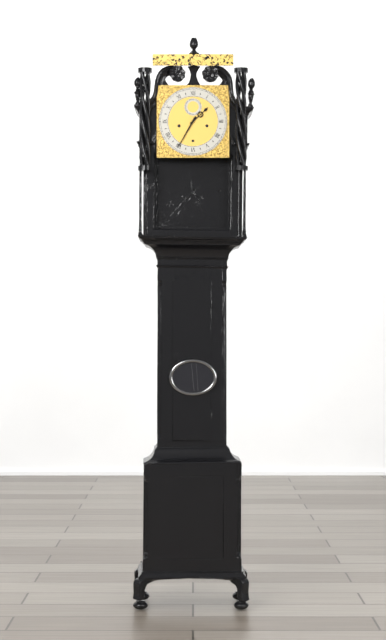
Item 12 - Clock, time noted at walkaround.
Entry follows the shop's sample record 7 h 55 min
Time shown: 1 h 35 min
